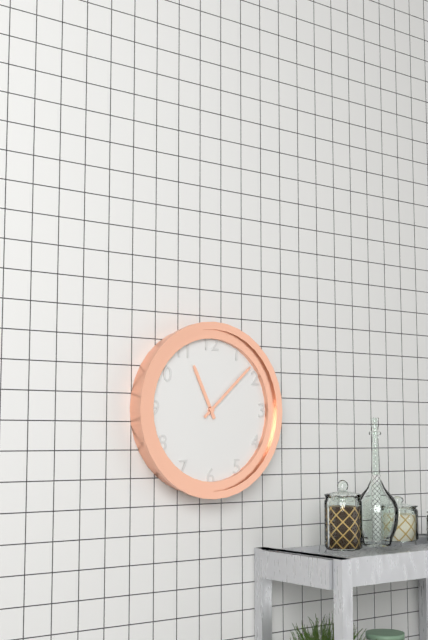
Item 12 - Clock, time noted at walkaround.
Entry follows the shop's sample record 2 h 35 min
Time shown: 11 h 08 min
